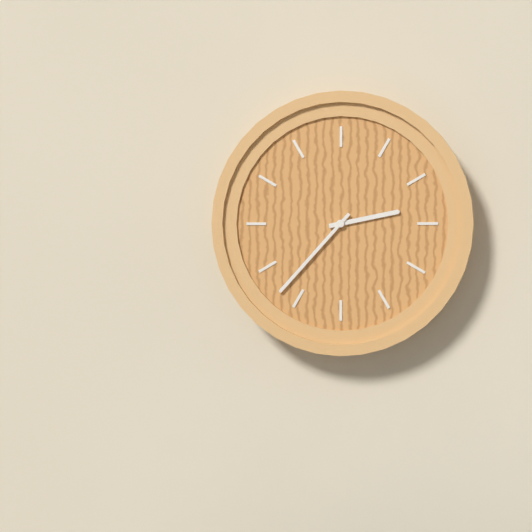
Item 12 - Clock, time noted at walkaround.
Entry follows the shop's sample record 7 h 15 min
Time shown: 2 h 37 min
